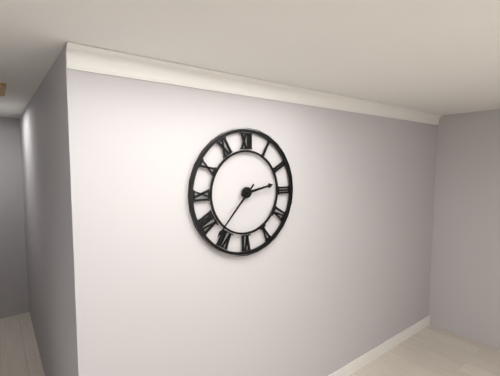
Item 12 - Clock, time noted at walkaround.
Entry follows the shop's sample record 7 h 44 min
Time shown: 2 h 37 min
